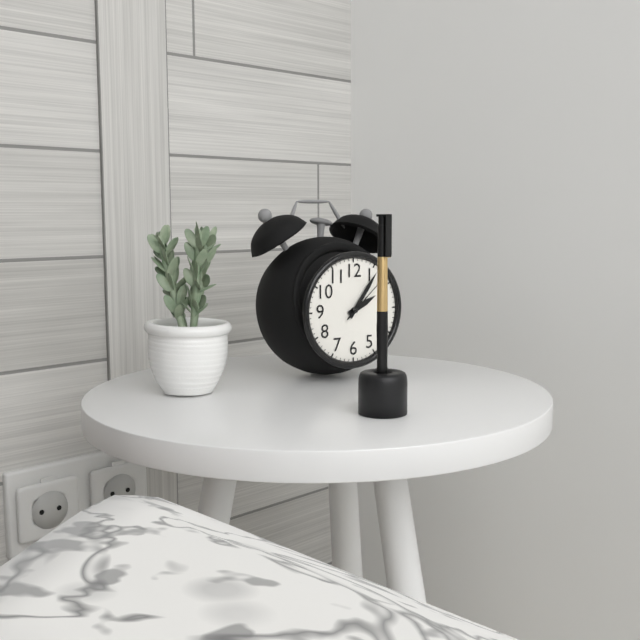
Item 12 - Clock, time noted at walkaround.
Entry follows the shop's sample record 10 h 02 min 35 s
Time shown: 2 h 06 min 08 s
